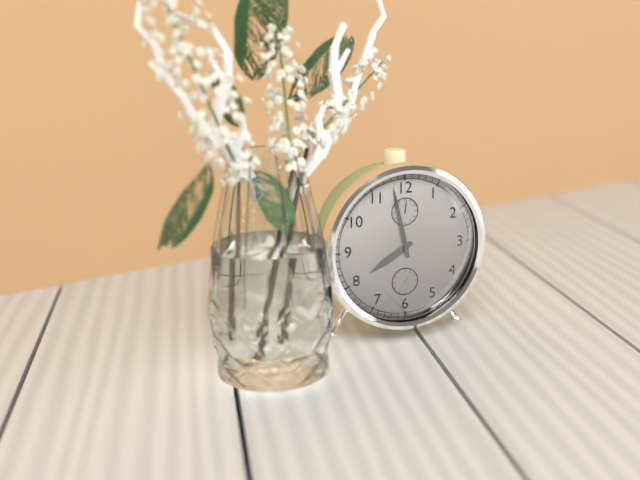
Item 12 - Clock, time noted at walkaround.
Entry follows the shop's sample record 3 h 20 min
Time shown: 7 h 58 min
